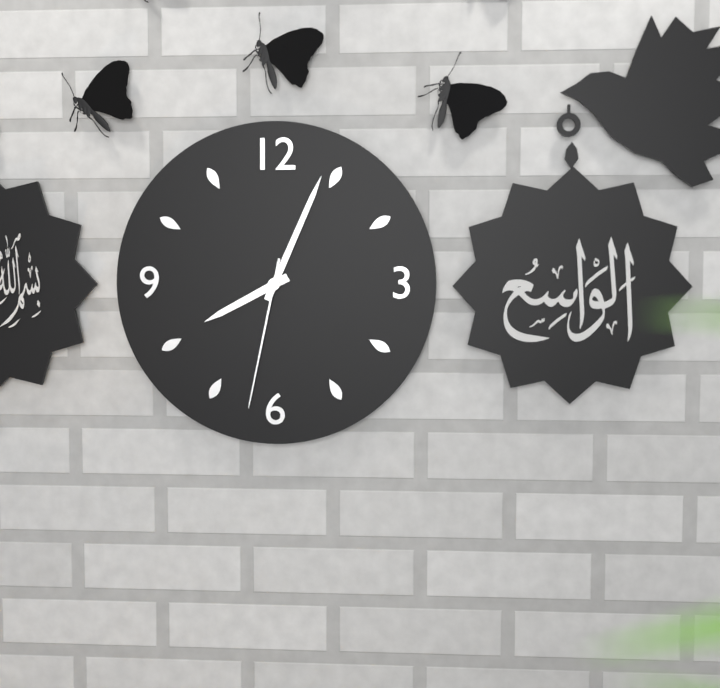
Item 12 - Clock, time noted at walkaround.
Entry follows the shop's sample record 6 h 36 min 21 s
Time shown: 8 h 04 min 32 s
